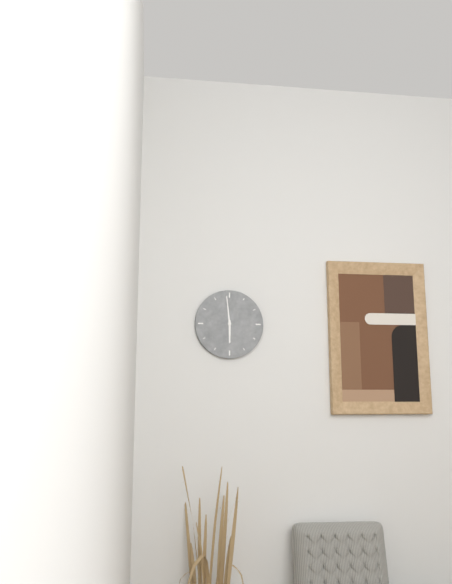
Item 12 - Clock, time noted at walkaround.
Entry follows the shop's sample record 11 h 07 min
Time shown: 5 h 59 min
